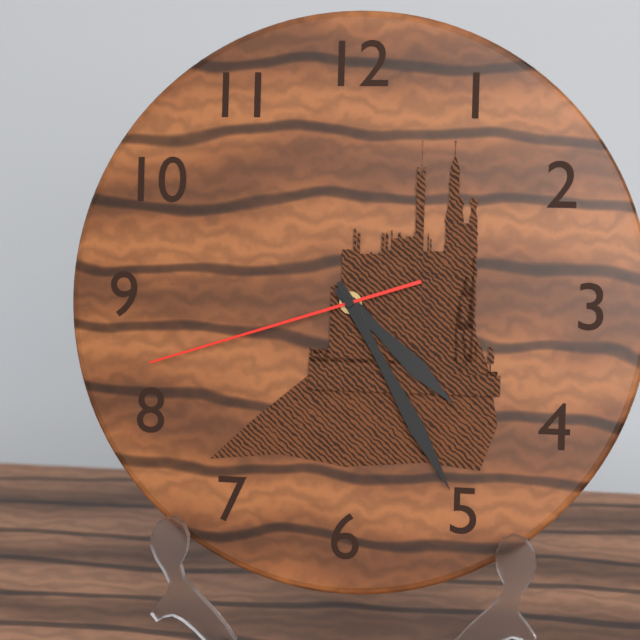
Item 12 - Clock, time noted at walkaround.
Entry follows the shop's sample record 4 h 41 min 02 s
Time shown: 4 h 25 min 42 s
